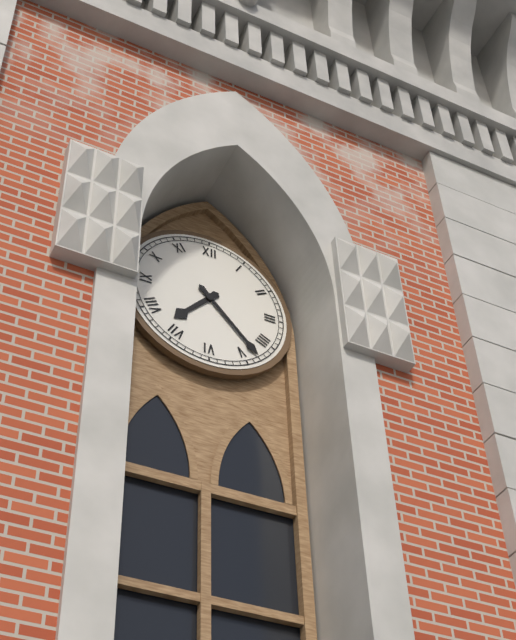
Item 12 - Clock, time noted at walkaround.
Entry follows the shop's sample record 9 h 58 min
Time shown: 7 h 23 min
